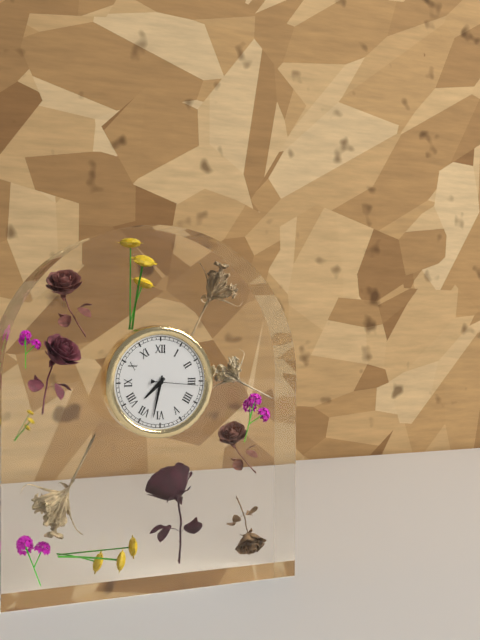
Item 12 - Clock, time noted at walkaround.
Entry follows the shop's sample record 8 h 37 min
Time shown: 7 h 32 min
